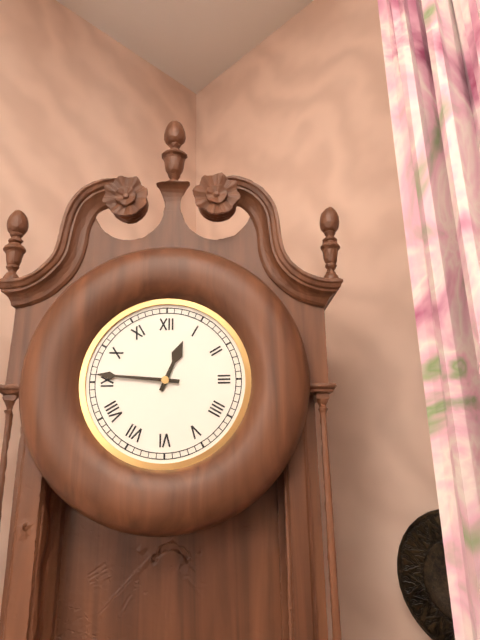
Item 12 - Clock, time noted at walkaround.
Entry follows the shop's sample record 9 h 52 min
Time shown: 12 h 46 min
